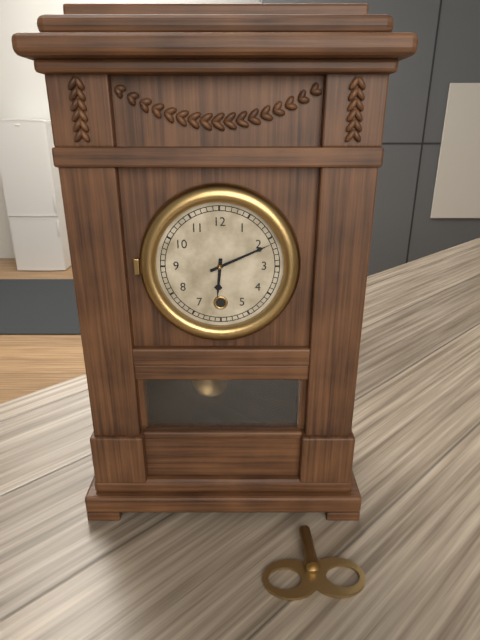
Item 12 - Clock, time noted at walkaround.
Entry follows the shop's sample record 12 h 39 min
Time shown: 6 h 11 min
